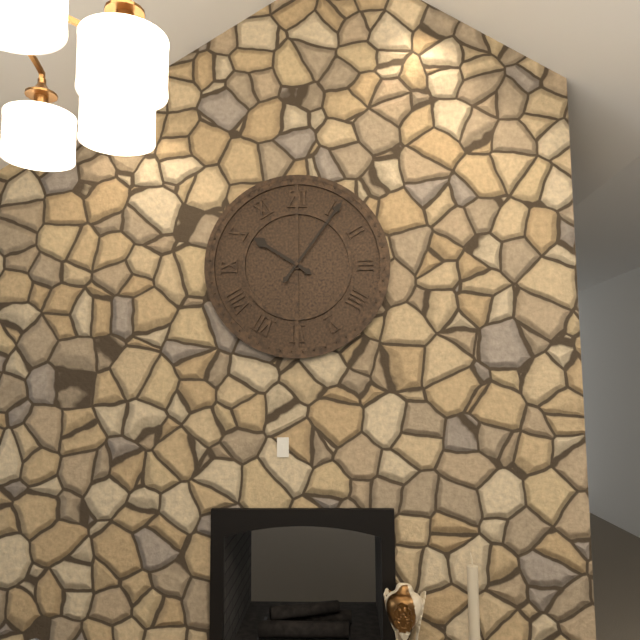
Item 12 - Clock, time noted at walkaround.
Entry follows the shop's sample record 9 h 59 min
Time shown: 10 h 06 min
